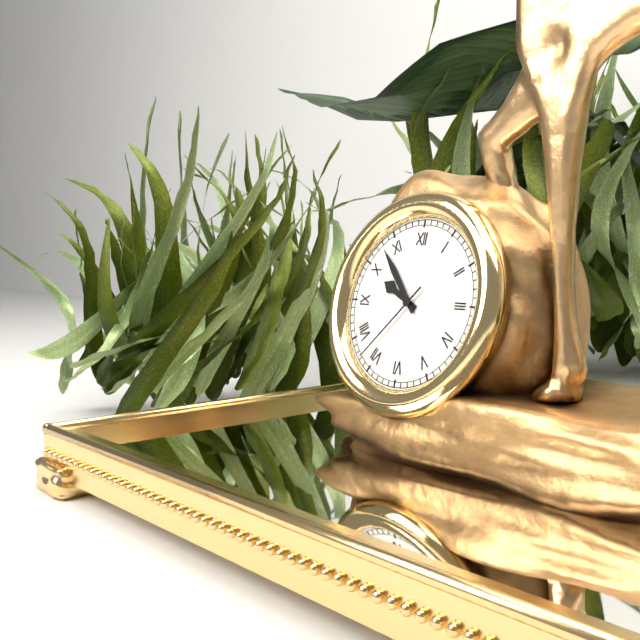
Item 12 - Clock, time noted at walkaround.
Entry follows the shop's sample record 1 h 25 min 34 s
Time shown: 9 h 53 min 37 s
